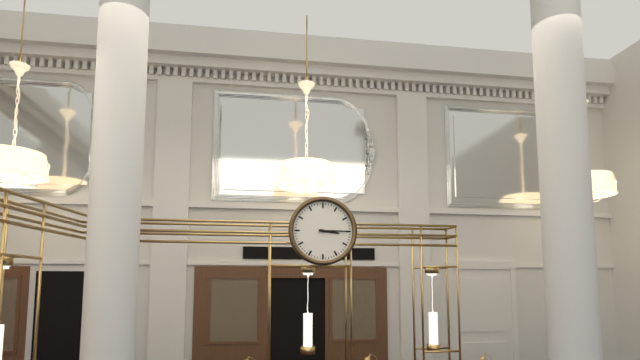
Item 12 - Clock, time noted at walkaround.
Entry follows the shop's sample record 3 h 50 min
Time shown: 3 h 15 min
